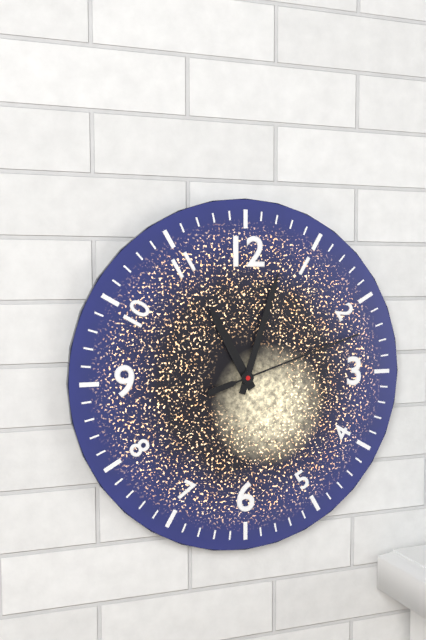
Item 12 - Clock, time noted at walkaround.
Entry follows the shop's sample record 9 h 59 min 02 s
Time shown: 11 h 03 min 12 s
